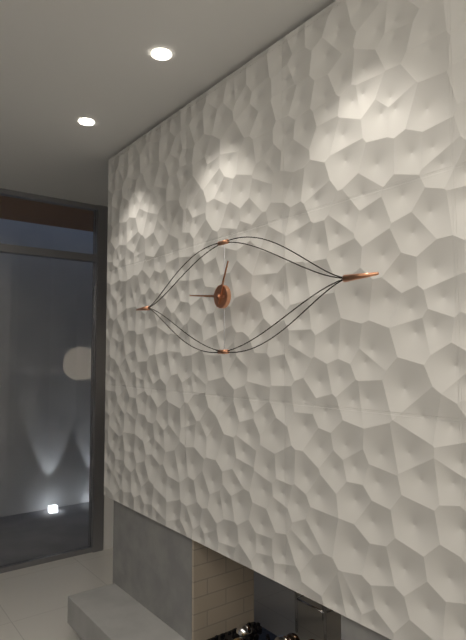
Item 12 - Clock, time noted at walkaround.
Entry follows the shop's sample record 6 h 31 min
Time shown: 12 h 46 min
